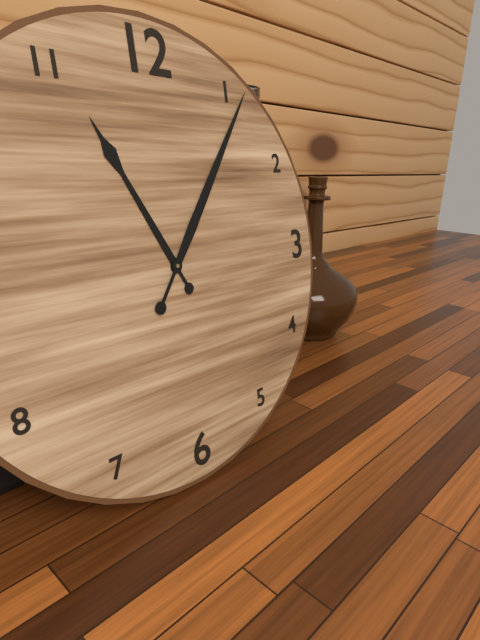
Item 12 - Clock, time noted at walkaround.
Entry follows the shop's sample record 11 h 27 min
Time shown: 11 h 06 min
